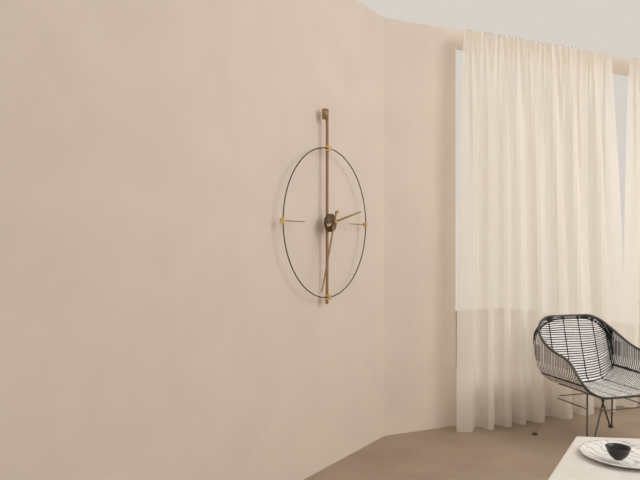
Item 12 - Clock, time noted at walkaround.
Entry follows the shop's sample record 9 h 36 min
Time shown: 2 h 33 min
